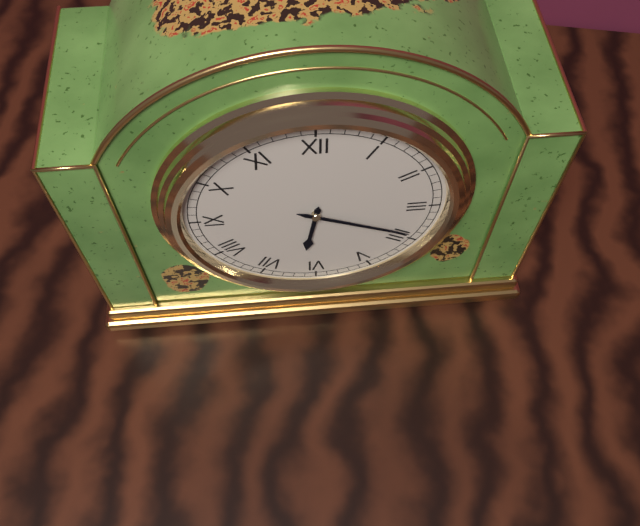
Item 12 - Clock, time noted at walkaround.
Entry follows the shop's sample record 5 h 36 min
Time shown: 6 h 19 min
